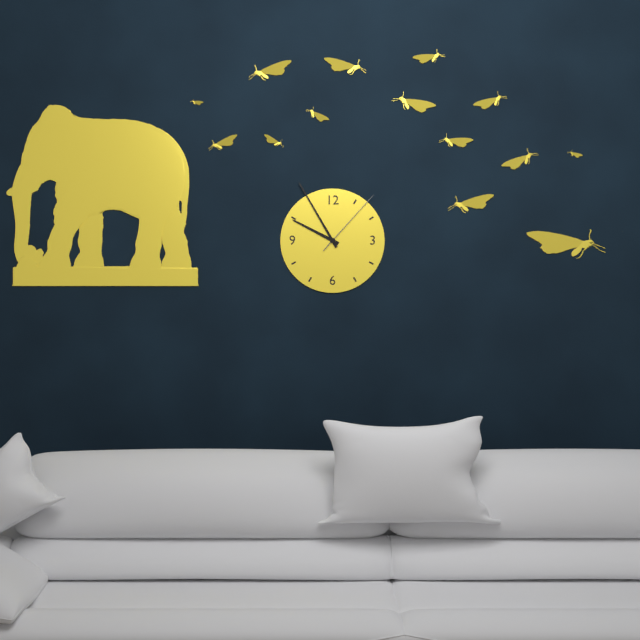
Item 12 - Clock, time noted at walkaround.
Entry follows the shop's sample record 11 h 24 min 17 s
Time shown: 9 h 55 min 07 s
